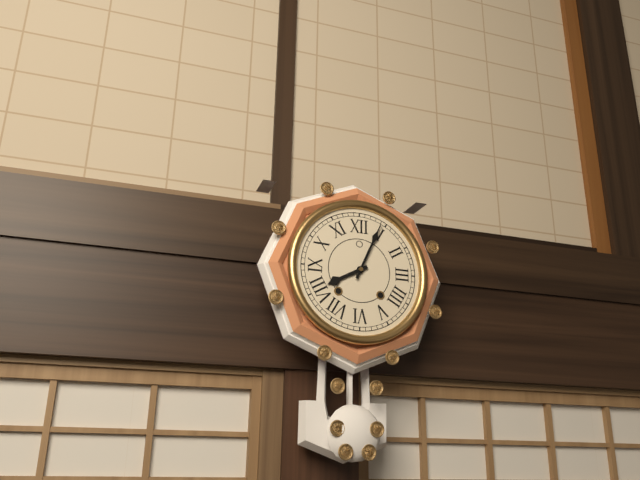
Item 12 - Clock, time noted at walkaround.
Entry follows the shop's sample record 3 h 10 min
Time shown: 8 h 04 min
